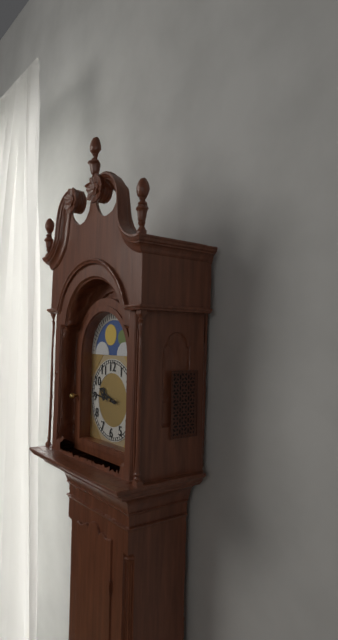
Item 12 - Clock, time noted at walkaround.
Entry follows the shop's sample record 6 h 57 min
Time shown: 9 h 46 min
